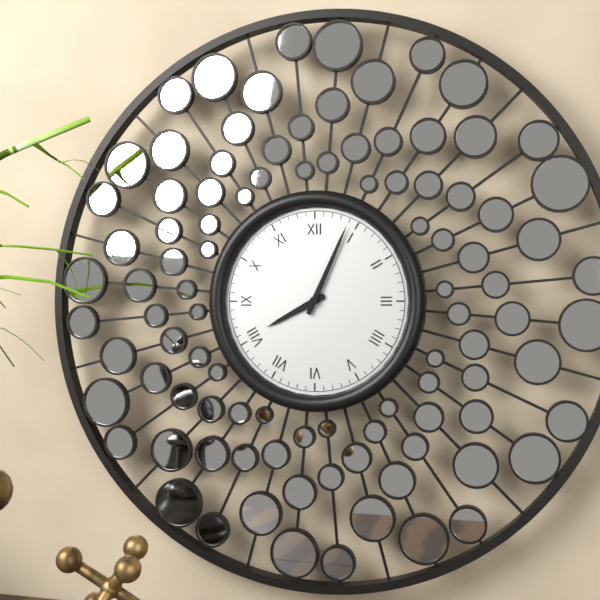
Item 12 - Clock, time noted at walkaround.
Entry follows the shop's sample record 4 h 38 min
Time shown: 8 h 04 min
